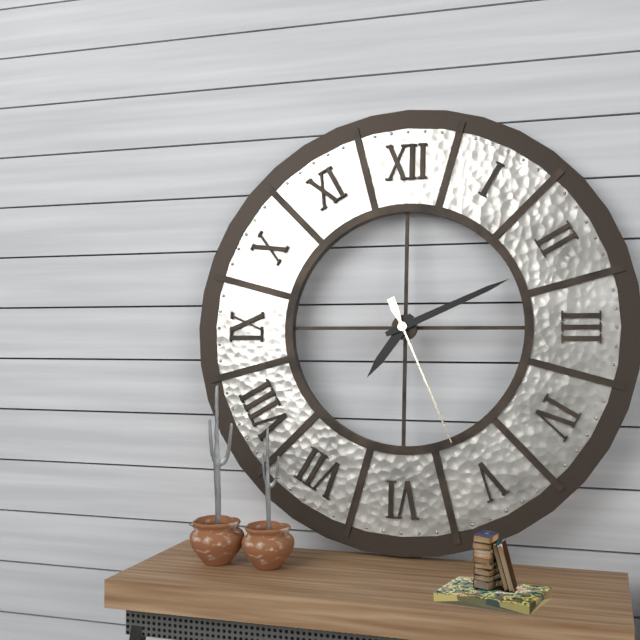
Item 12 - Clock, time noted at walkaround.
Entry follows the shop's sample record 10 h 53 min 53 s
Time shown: 7 h 11 min 26 s
